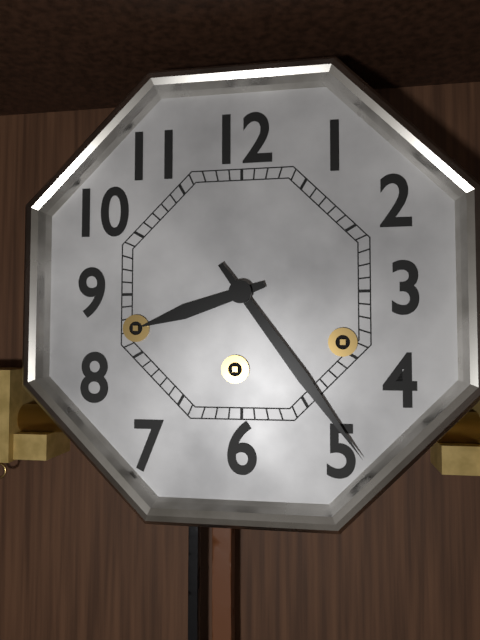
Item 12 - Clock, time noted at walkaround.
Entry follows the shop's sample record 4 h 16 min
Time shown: 8 h 24 min
